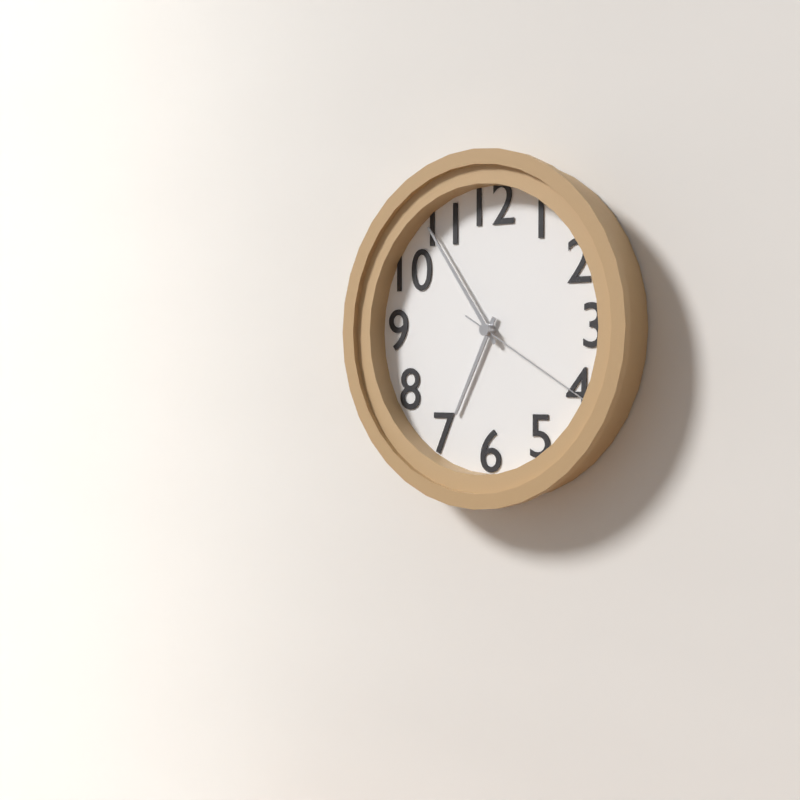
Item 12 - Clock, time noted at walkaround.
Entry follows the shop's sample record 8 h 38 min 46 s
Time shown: 6 h 54 min 20 s
